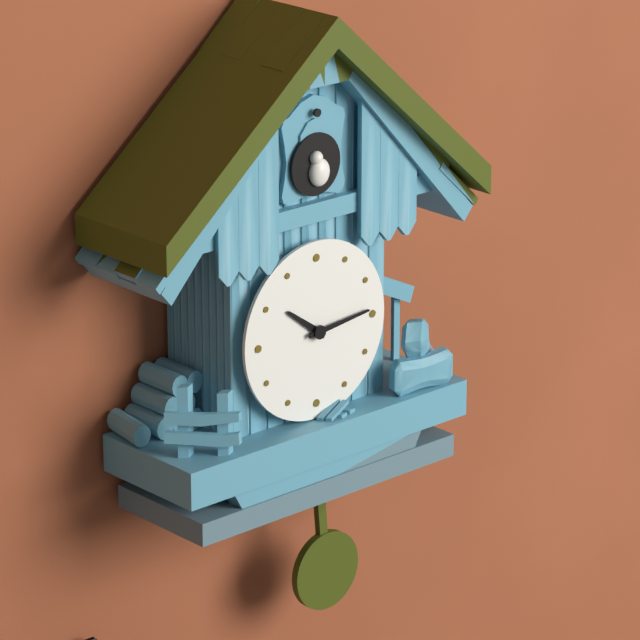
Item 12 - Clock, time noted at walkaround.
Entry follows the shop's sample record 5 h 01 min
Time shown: 10 h 14 min
